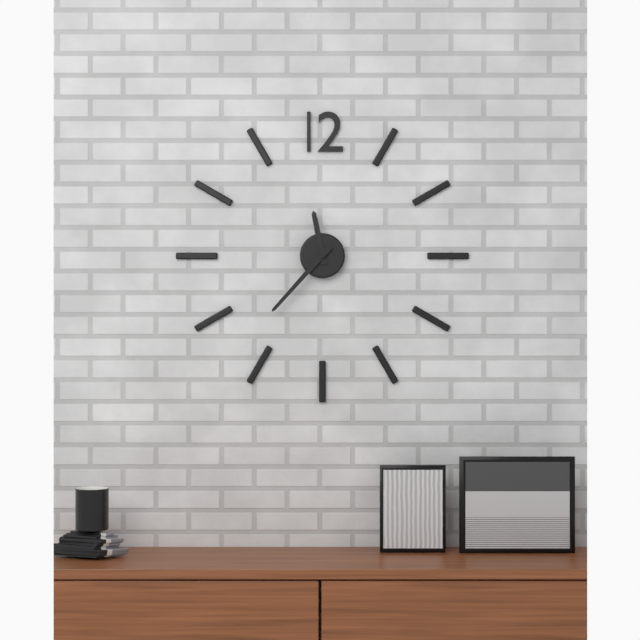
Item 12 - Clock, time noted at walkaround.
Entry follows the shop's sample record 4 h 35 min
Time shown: 11 h 37 min
